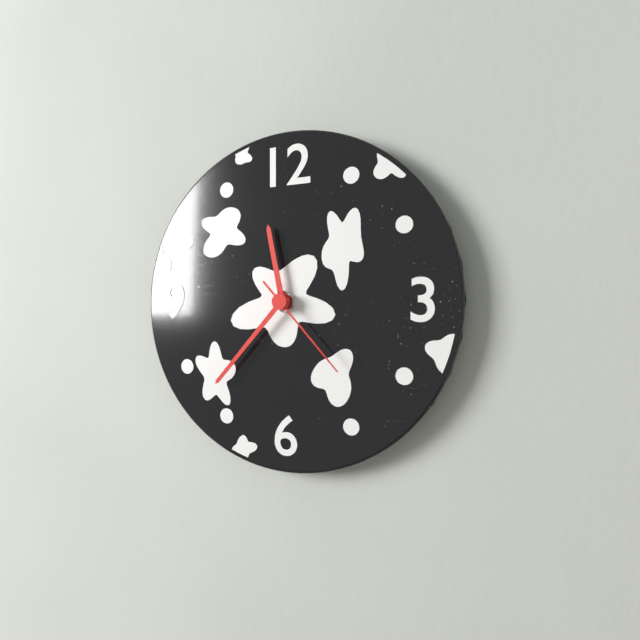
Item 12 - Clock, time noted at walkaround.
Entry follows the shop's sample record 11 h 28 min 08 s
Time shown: 11 h 37 min 23 s
